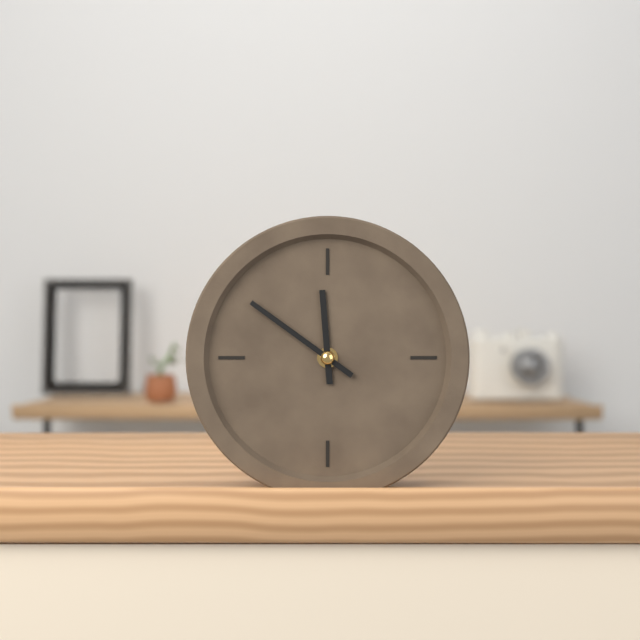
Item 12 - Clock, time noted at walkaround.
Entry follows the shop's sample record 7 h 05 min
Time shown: 11 h 51 min
